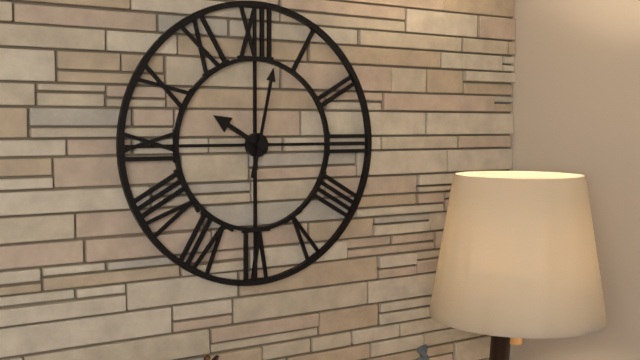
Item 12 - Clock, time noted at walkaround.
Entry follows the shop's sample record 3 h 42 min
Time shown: 10 h 02 min
